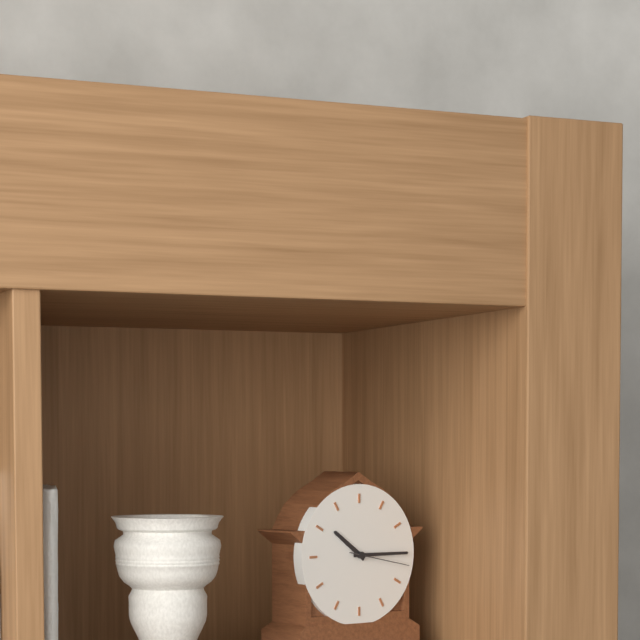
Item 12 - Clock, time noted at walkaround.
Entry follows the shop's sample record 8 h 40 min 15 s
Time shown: 10 h 15 min 17 s
